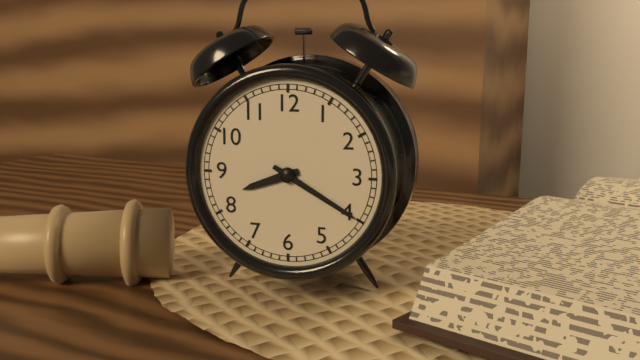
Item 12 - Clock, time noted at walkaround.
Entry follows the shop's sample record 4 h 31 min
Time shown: 8 h 20 min
